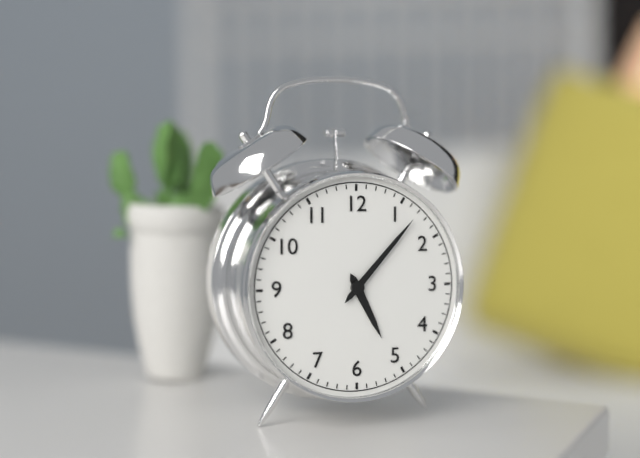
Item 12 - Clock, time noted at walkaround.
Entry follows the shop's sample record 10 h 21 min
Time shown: 5 h 07 min
